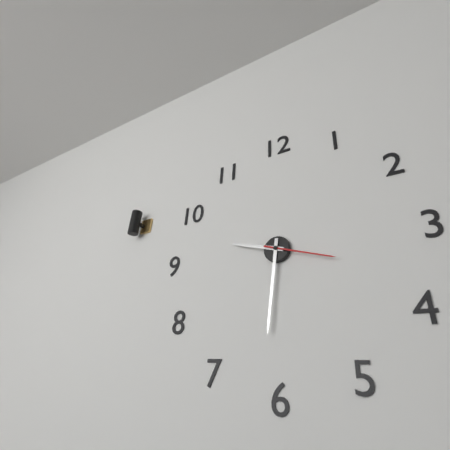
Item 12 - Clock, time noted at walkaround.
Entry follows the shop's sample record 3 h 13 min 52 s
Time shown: 9 h 31 min 18 s
